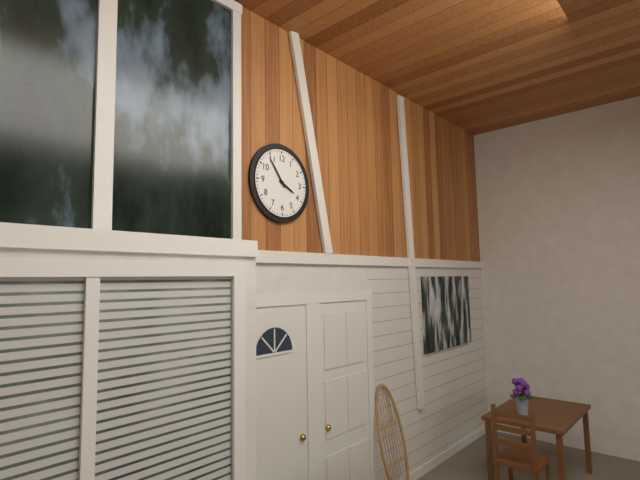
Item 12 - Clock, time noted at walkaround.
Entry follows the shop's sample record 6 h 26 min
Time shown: 3 h 54 min
